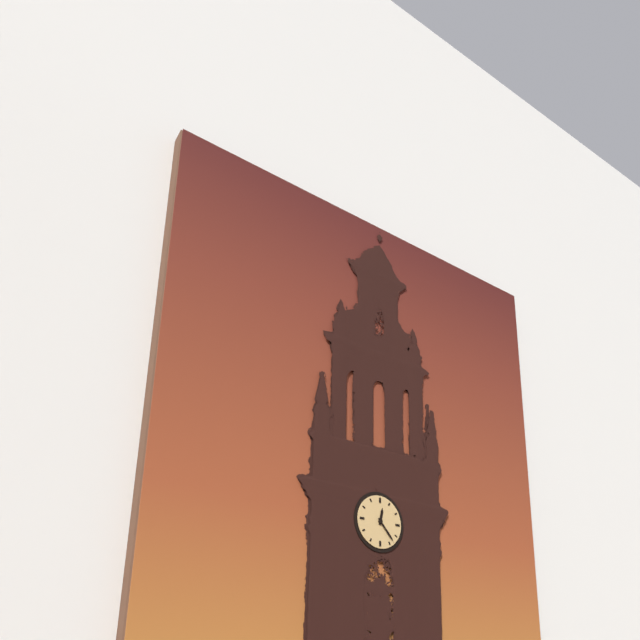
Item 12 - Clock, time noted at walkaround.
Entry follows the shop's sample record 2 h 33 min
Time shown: 12 h 23 min
